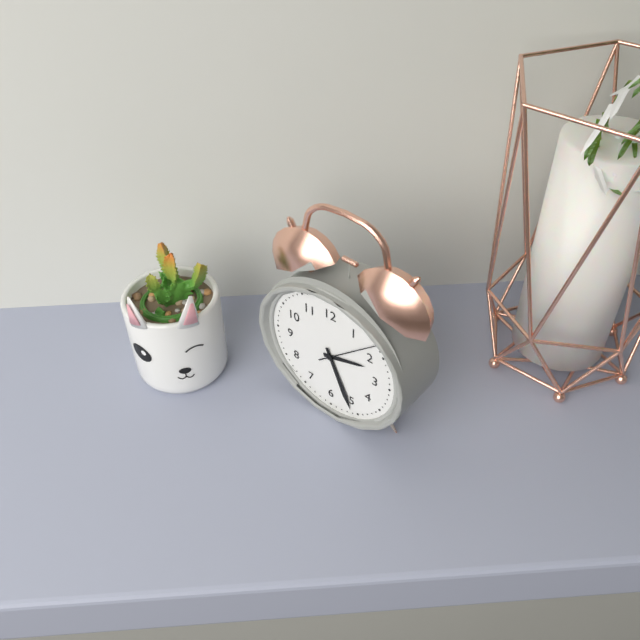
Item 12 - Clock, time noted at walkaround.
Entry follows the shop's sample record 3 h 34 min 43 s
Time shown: 2 h 26 min 08 s
